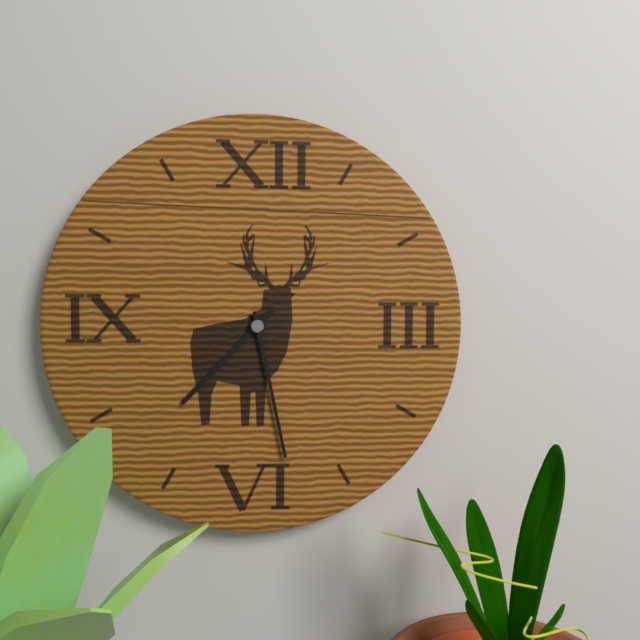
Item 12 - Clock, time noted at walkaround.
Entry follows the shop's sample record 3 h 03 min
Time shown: 7 h 28 min
